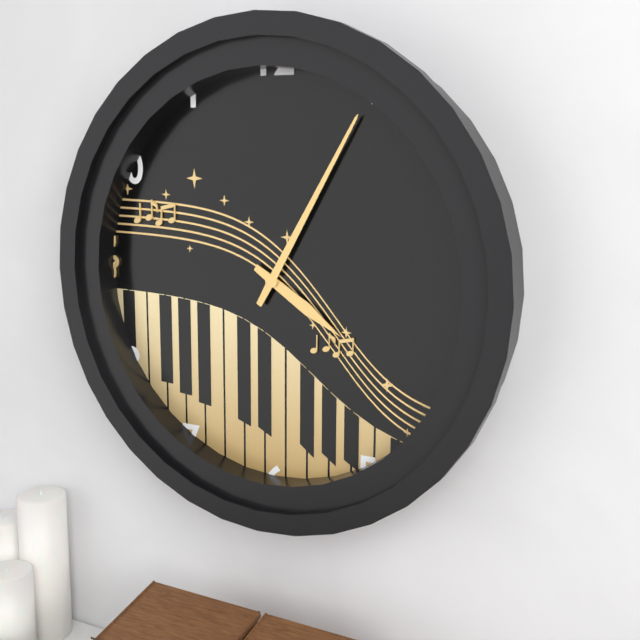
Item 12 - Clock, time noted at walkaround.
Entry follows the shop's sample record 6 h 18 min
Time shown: 4 h 05 min
